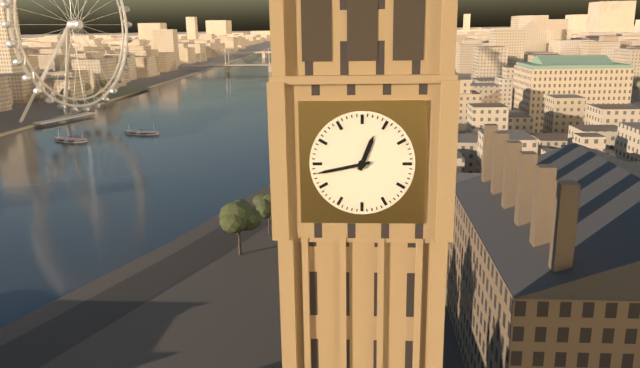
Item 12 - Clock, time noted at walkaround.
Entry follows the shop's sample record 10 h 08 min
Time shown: 12 h 43 min
